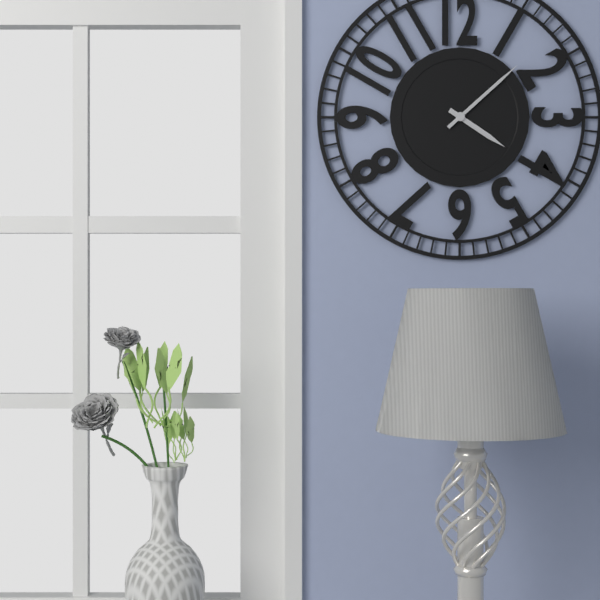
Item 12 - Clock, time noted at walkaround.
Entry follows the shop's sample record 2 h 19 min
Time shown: 4 h 08 min
